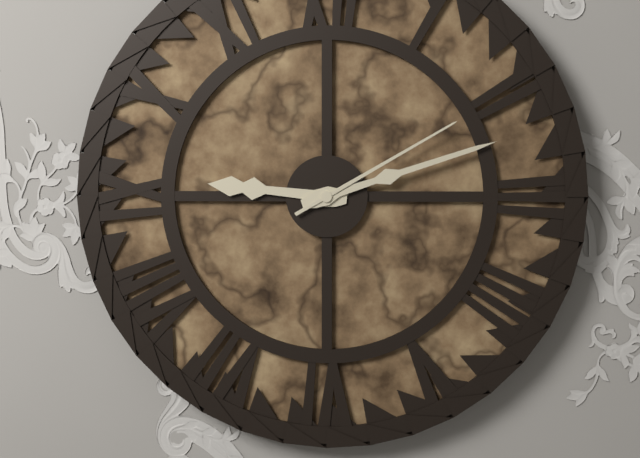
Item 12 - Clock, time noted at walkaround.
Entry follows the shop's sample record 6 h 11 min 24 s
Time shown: 9 h 12 min 10 s
